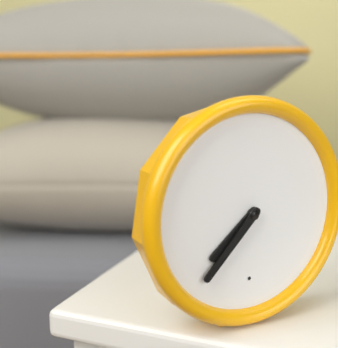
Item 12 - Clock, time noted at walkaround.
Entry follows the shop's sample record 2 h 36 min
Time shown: 7 h 37 min
